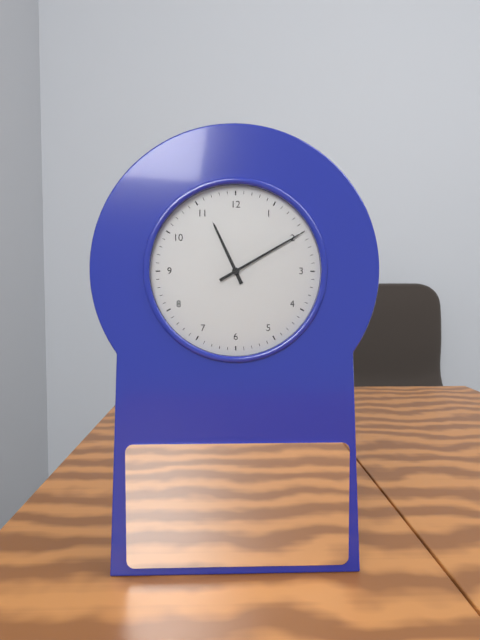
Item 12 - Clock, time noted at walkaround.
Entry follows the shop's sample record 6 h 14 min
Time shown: 11 h 10 min
